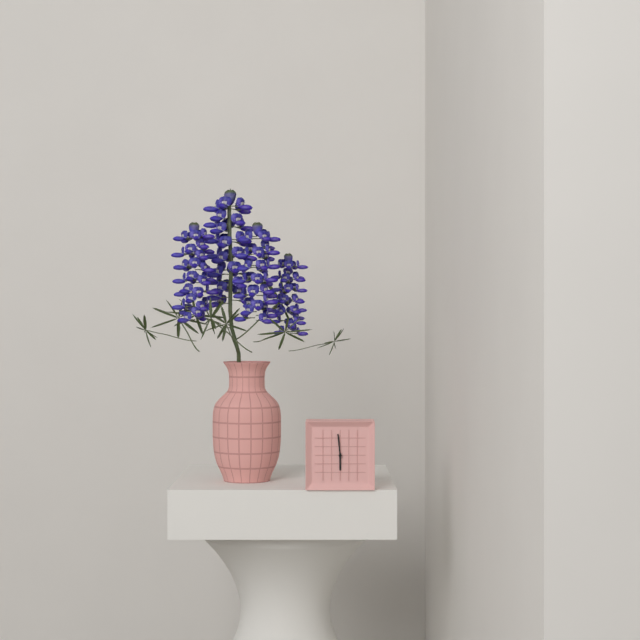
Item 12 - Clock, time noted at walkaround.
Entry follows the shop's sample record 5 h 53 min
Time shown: 5 h 59 min
